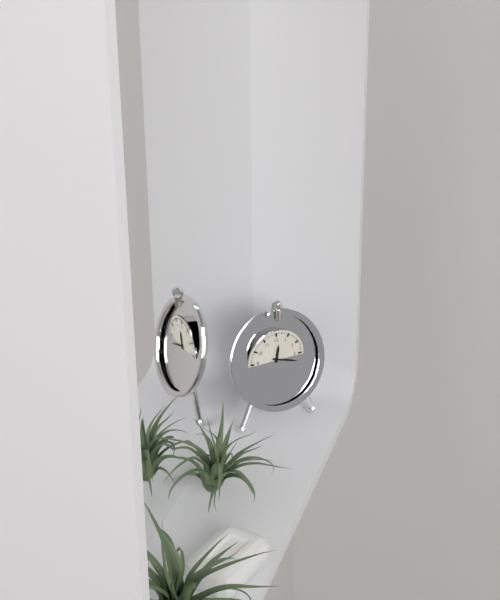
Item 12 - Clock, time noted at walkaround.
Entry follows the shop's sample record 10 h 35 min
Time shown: 12 h 18 min
